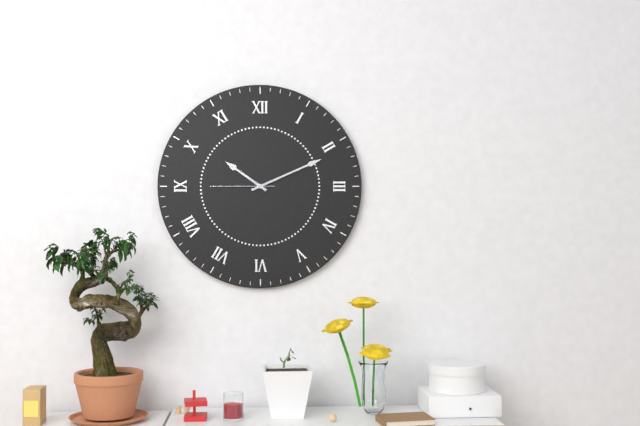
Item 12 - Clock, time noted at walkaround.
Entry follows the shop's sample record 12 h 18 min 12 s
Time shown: 10 h 11 min 45 s
